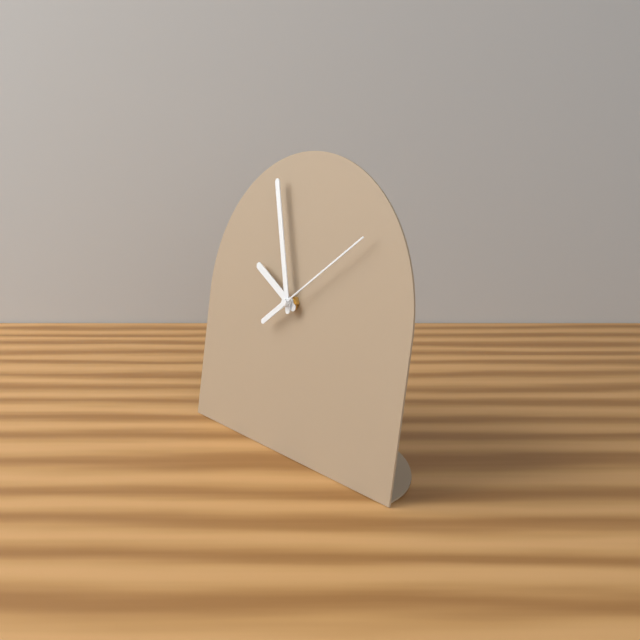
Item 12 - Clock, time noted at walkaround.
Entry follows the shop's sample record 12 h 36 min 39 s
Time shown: 9 h 57 min 09 s
